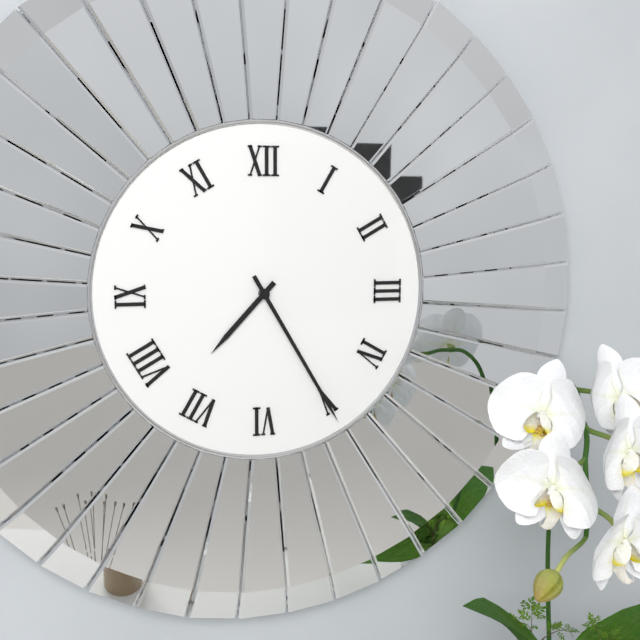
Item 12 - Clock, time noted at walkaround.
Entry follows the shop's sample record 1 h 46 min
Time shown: 7 h 25 min
